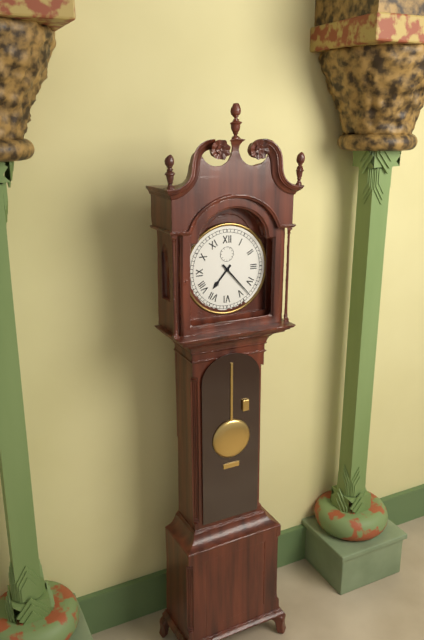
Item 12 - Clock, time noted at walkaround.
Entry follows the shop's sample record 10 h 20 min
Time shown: 7 h 23 min
